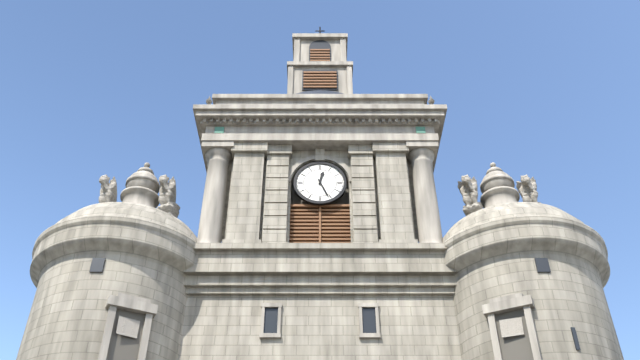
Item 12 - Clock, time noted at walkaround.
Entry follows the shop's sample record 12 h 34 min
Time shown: 12 h 26 min
